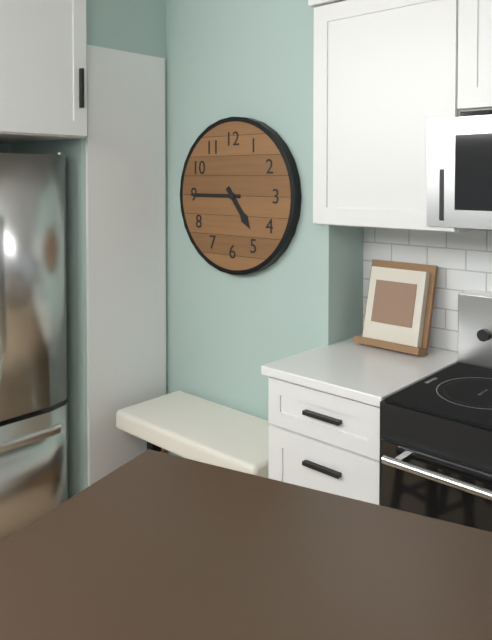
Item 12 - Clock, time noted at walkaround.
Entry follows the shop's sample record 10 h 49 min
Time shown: 4 h 45 min
